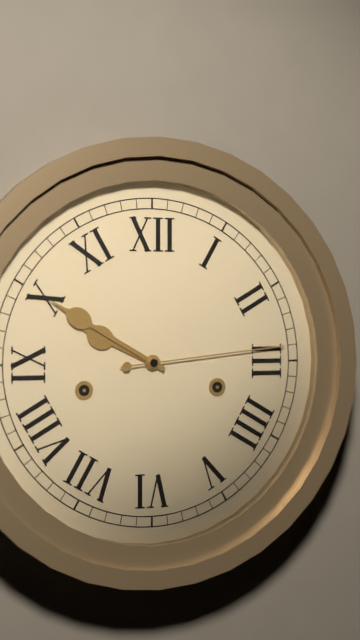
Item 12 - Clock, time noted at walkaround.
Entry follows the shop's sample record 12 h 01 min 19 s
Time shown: 9 h 50 min 14 s
